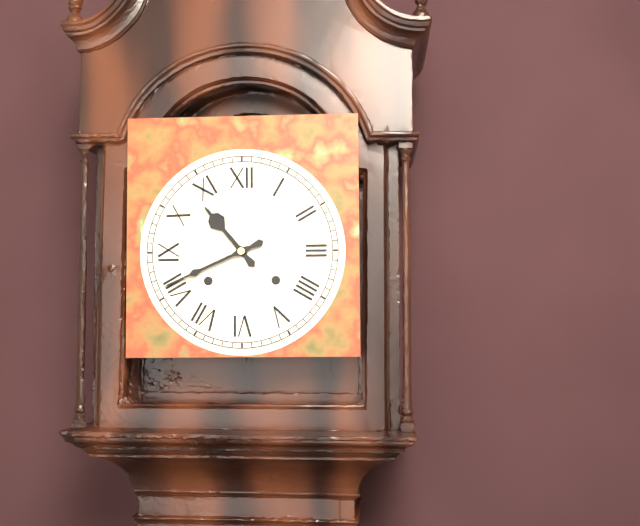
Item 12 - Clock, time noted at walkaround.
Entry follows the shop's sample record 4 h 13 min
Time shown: 10 h 41 min
